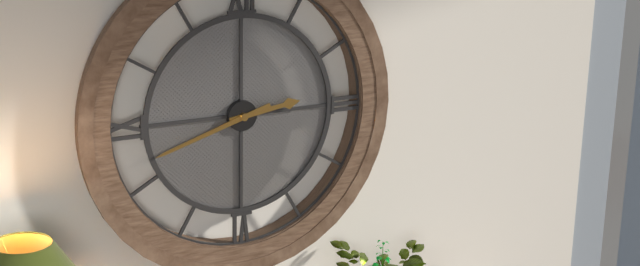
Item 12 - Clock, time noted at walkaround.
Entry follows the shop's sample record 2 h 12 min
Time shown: 2 h 42 min
